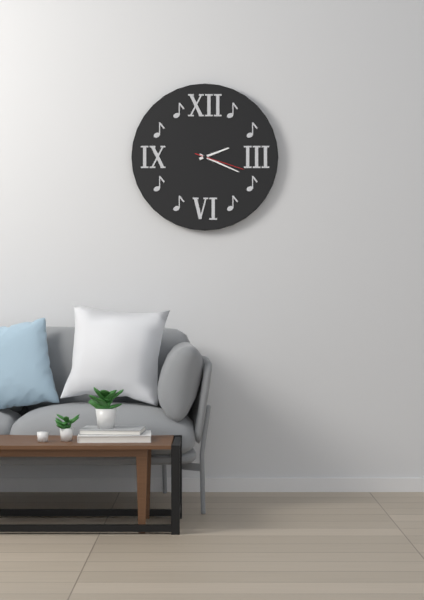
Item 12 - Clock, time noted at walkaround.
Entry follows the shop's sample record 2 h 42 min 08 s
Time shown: 2 h 19 min 18 s
